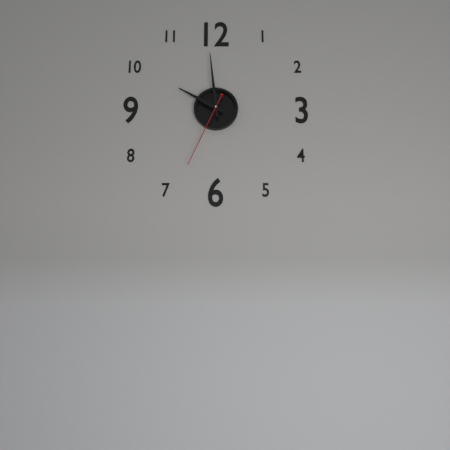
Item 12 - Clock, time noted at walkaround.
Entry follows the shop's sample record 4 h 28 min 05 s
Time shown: 9 h 59 min 34 s
